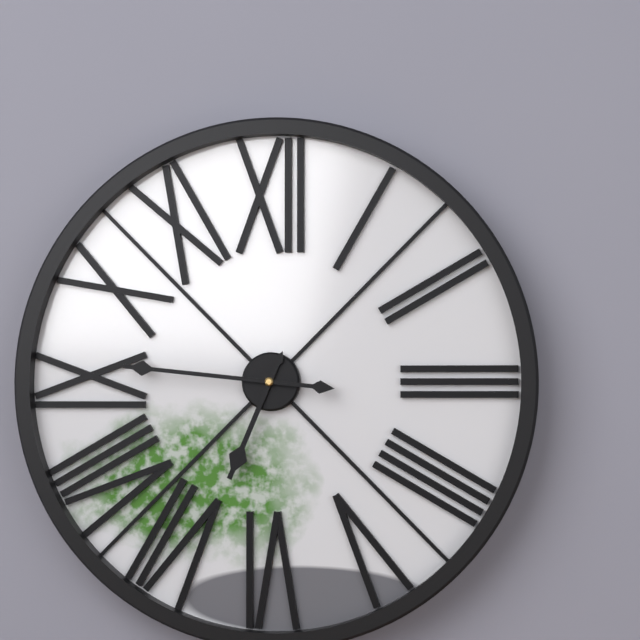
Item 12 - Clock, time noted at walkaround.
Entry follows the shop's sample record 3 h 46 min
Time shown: 6 h 46 min
